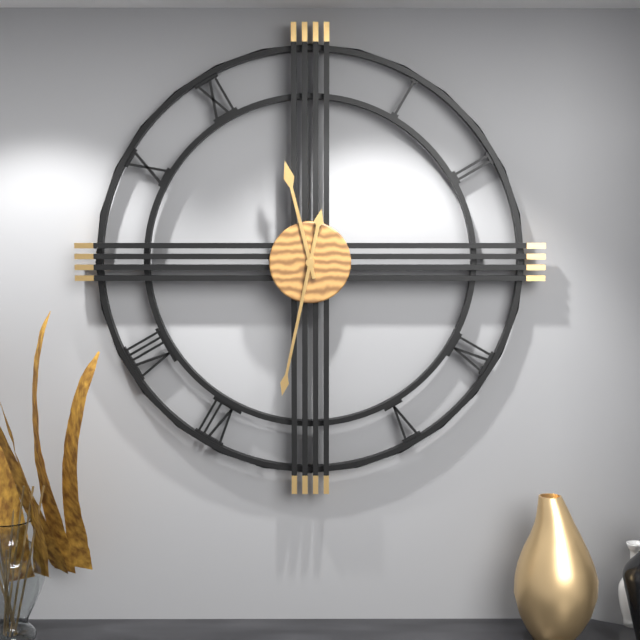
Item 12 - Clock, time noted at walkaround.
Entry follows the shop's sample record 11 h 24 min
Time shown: 11 h 32 min
